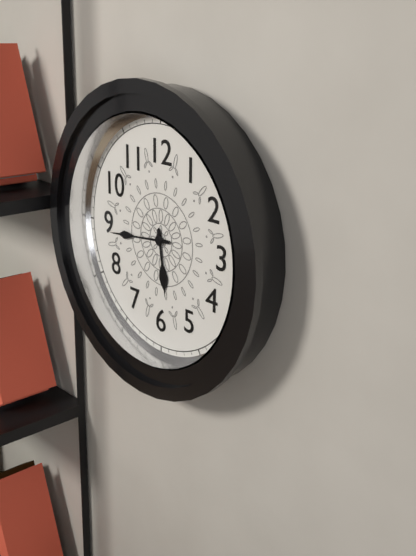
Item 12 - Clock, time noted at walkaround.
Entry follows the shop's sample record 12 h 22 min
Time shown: 5 h 44 min
